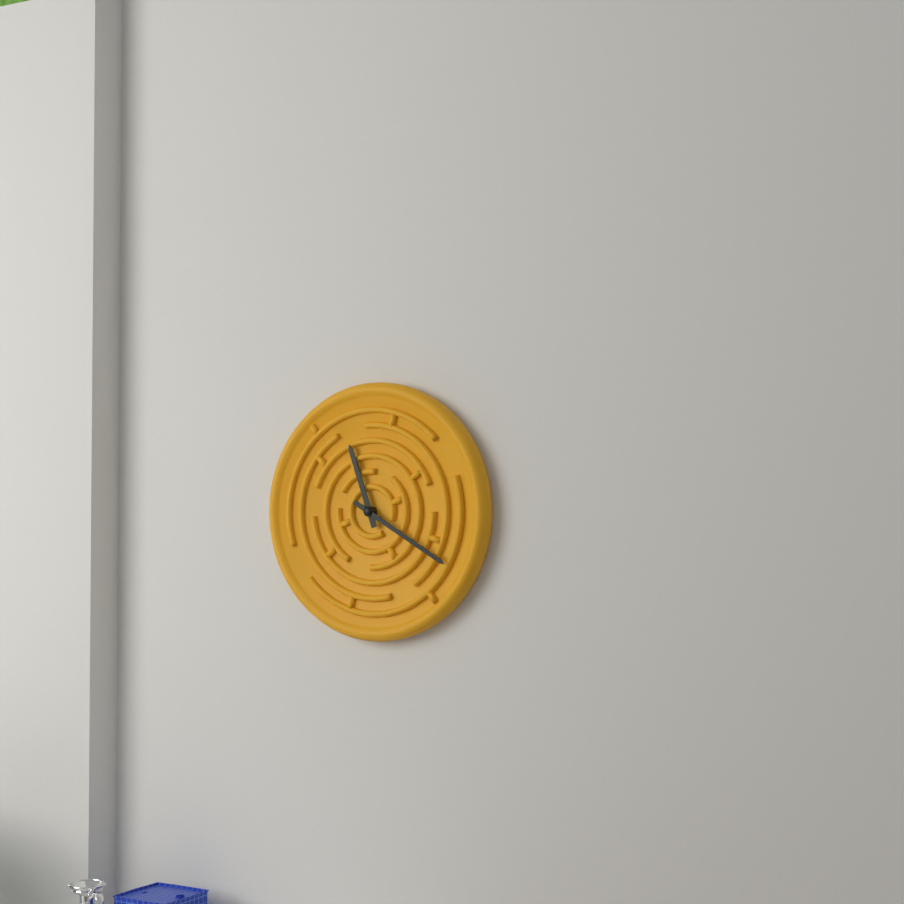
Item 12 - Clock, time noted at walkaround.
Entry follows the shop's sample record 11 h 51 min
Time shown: 11 h 20 min
